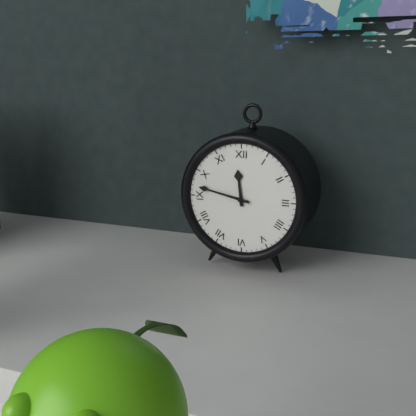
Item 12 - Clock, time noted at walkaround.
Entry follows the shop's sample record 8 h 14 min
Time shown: 11 h 47 min
